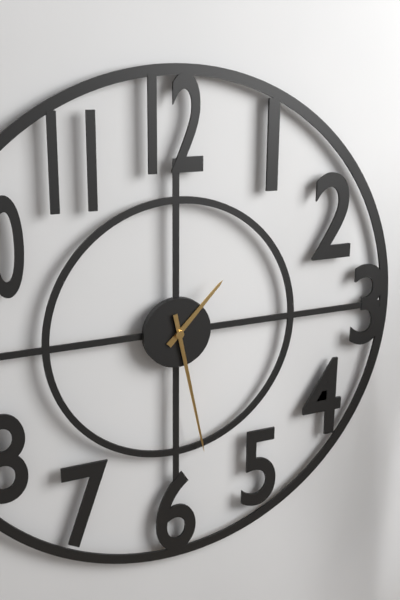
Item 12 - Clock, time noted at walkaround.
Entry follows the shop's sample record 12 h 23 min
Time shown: 1 h 28 min
